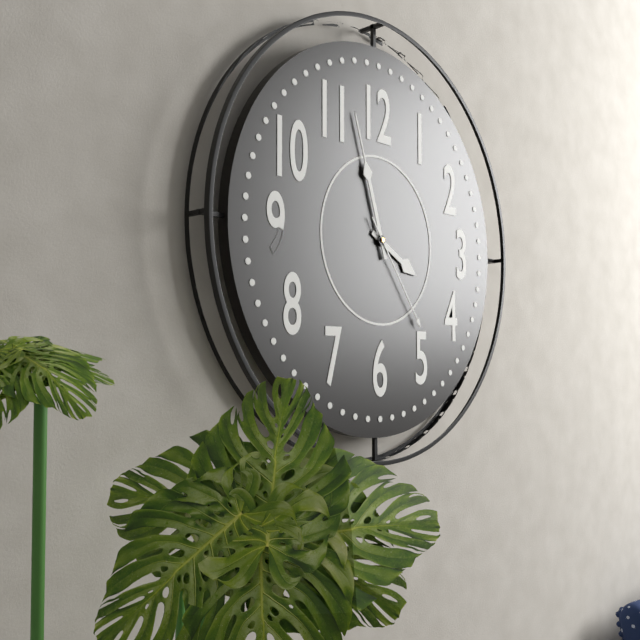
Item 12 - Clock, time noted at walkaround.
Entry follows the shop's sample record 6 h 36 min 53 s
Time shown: 3 h 57 min 24 s
